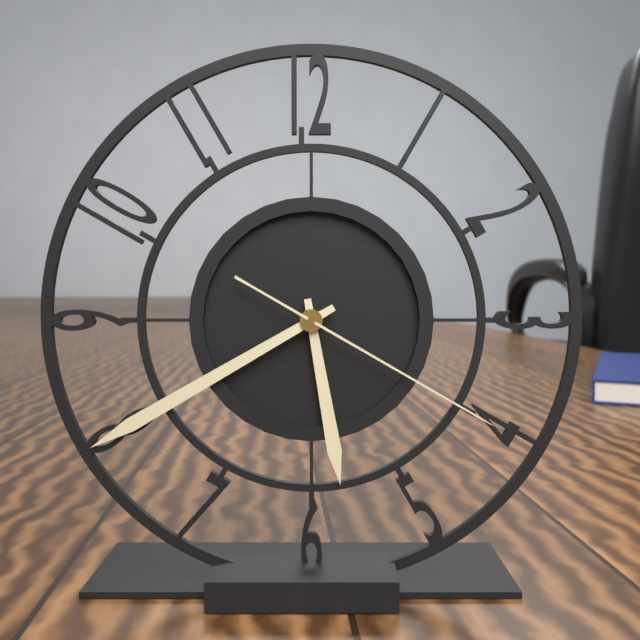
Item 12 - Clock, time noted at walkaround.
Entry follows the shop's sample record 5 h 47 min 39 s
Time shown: 5 h 40 min 20 s
